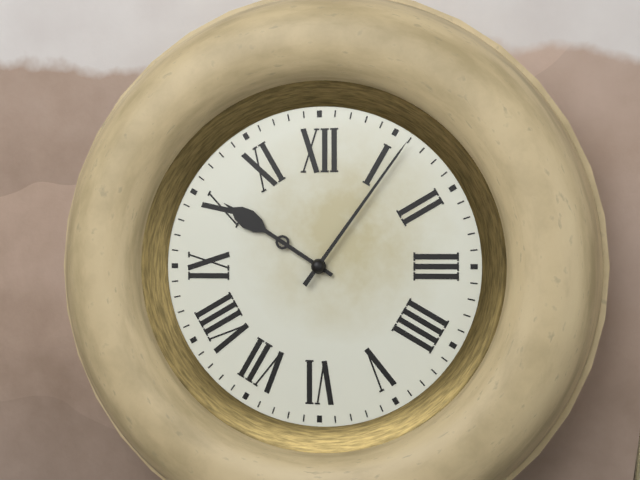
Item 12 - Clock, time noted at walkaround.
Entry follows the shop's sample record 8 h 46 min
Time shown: 10 h 06 min
